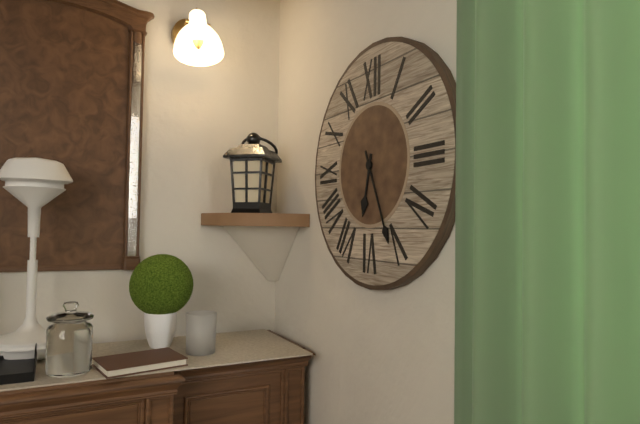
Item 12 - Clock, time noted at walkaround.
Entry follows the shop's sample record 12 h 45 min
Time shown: 6 h 26 min
